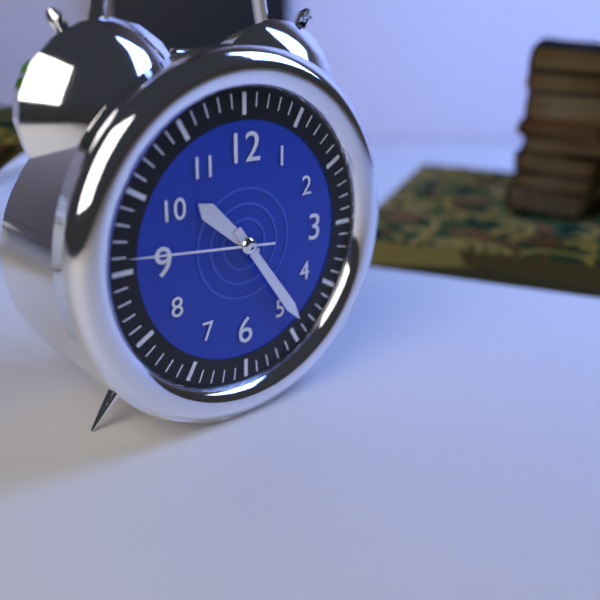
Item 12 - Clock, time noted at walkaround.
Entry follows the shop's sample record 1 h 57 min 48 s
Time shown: 10 h 24 min 46 s
